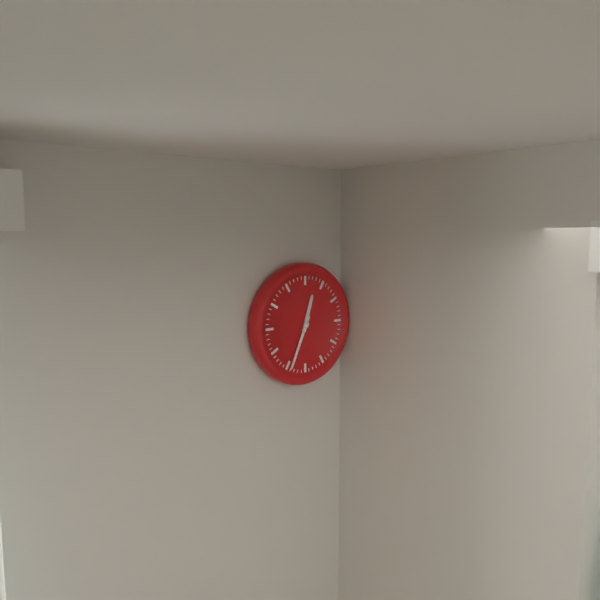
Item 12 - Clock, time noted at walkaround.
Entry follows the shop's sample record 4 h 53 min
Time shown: 12 h 34 min
